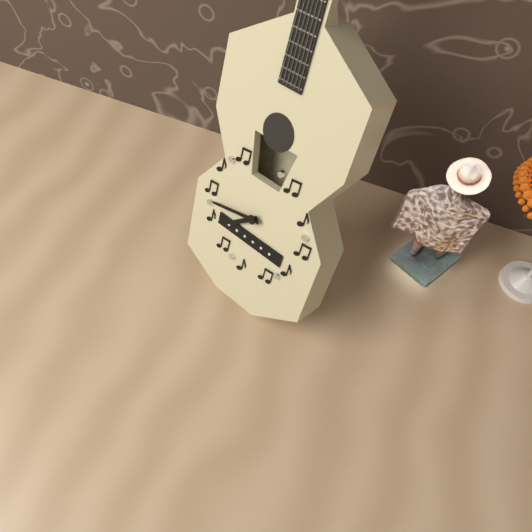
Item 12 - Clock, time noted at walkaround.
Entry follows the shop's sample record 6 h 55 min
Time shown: 7 h 43 min
